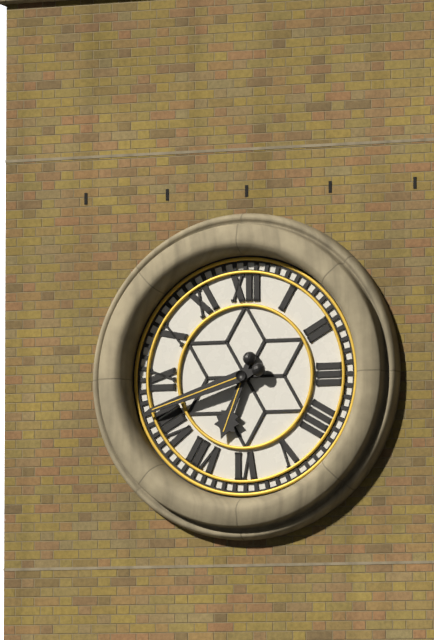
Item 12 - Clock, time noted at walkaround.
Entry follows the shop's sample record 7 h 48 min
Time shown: 6 h 42 min
